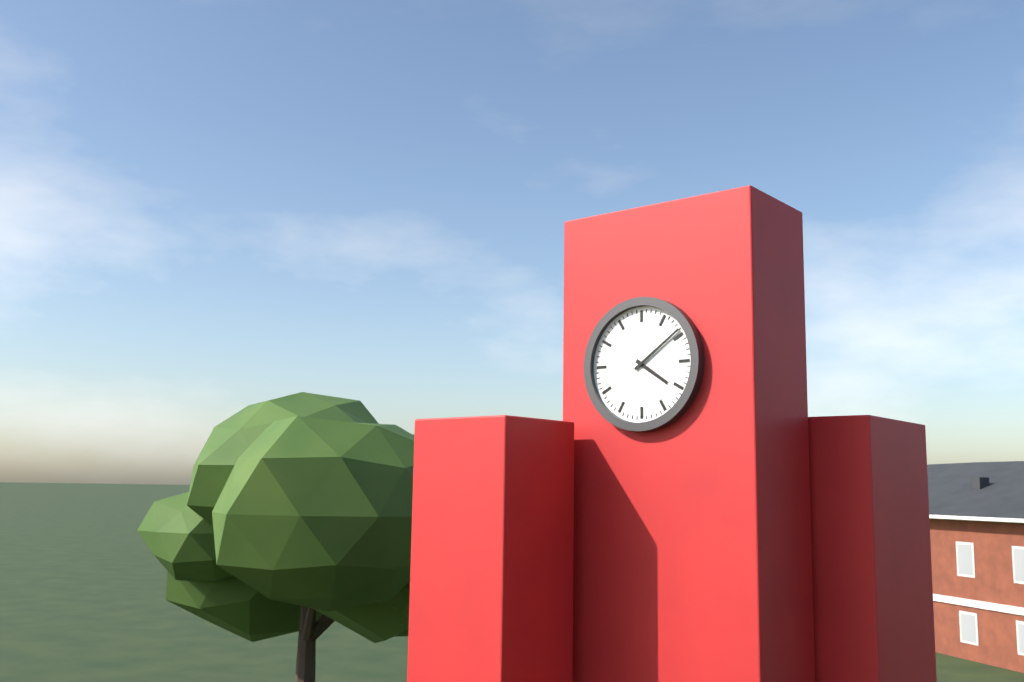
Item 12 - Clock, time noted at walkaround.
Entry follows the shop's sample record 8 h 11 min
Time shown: 4 h 09 min
